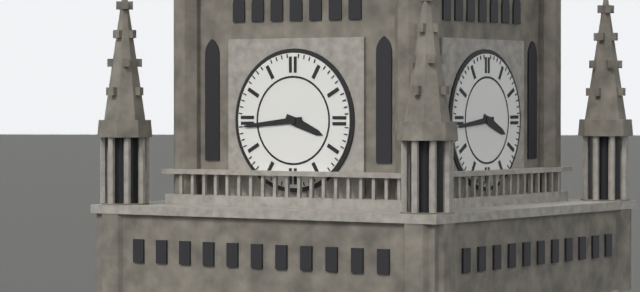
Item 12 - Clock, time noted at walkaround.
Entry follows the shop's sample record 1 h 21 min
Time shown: 3 h 44 min
